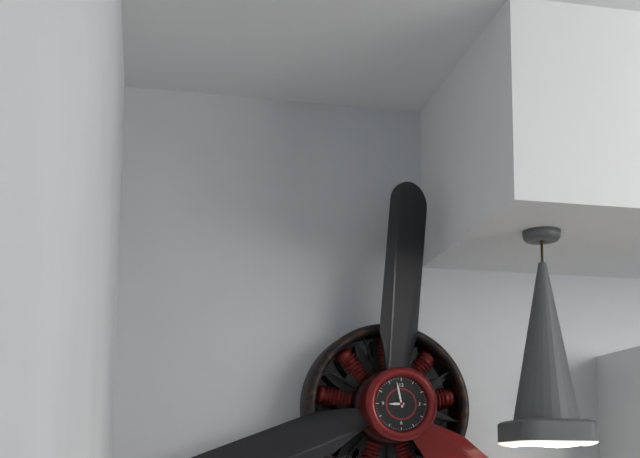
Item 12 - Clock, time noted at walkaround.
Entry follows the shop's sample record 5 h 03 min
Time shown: 8 h 58 min
